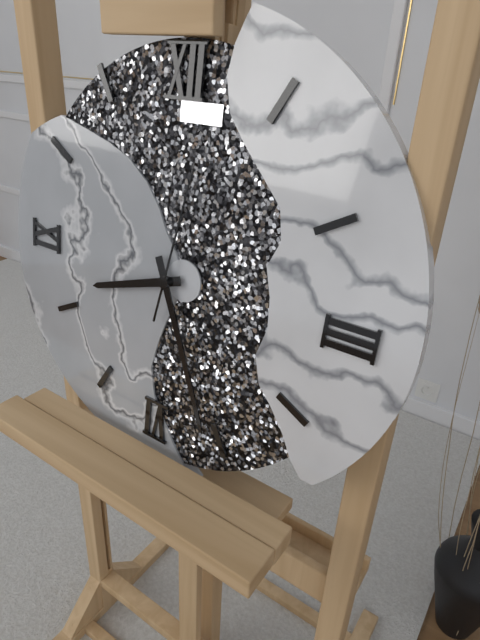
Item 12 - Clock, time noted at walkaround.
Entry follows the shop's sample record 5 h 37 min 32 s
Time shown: 8 h 26 min 02 s
